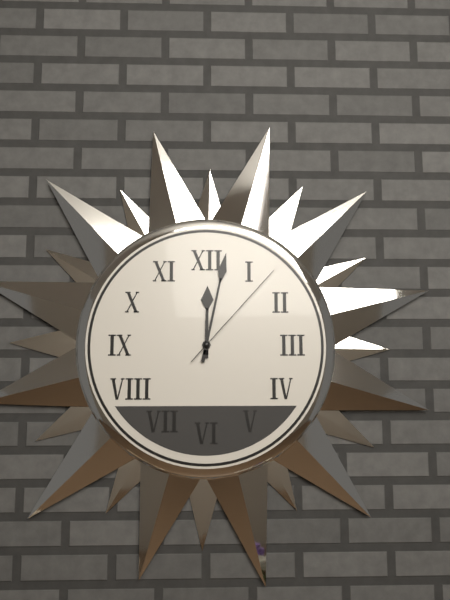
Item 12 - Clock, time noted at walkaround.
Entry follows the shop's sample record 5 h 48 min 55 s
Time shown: 12 h 02 min 07 s
